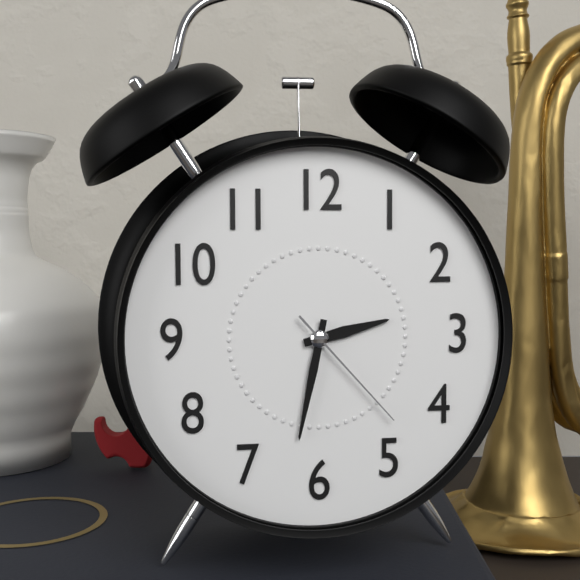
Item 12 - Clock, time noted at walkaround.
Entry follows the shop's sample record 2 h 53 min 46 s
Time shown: 2 h 32 min 23 s
